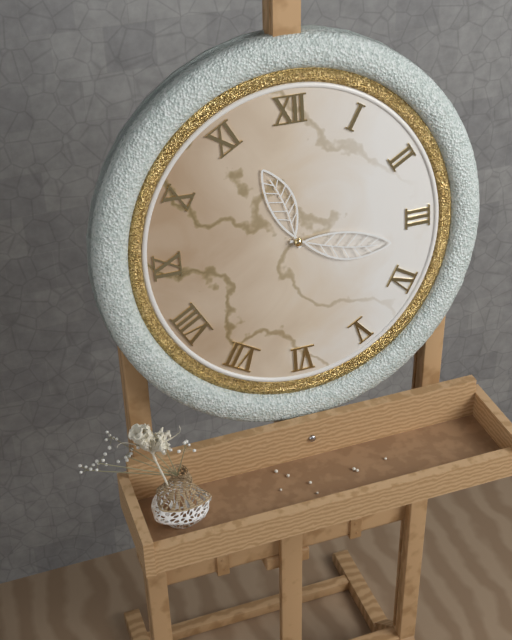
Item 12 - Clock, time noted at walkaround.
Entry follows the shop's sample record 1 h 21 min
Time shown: 11 h 17 min
